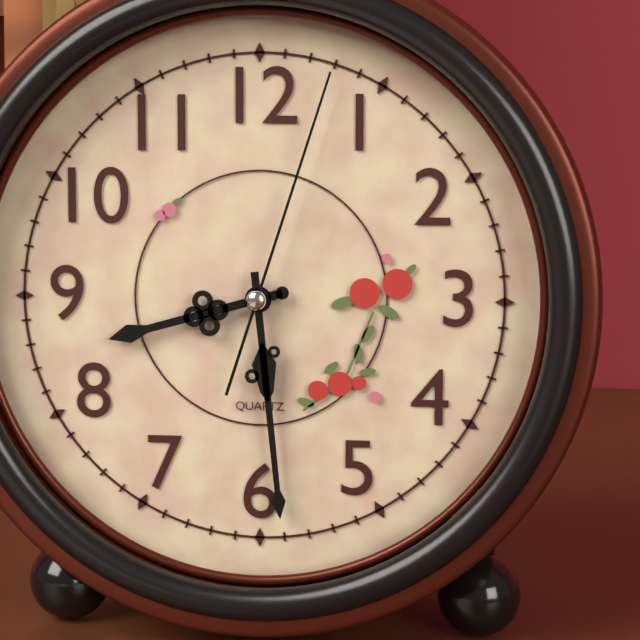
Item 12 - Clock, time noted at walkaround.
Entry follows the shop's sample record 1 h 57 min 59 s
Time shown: 8 h 29 min 03 s
